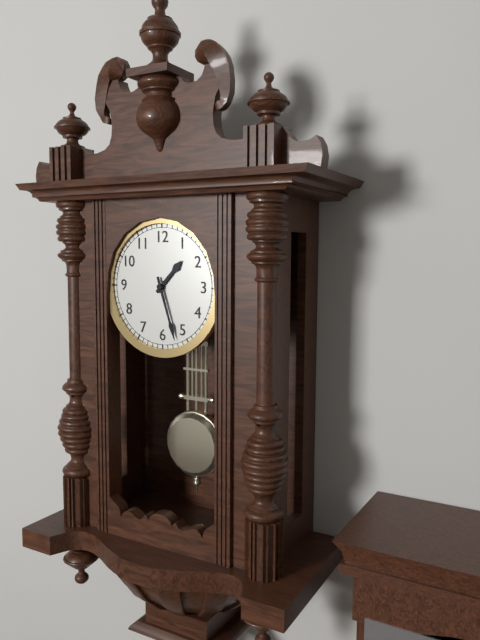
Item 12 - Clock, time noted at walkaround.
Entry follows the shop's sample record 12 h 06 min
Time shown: 1 h 27 min
